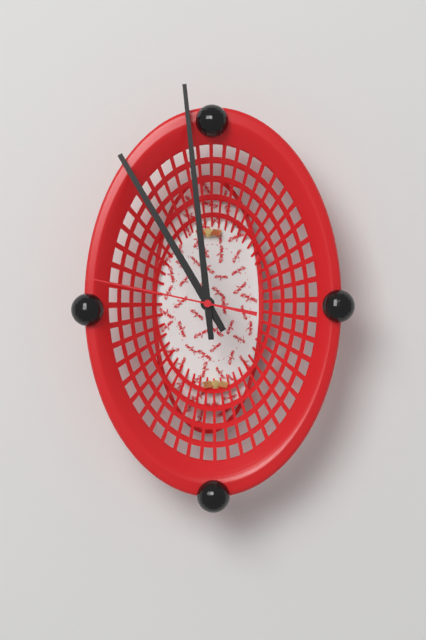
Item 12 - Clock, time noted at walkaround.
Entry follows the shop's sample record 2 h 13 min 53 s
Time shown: 10 h 59 min 47 s
